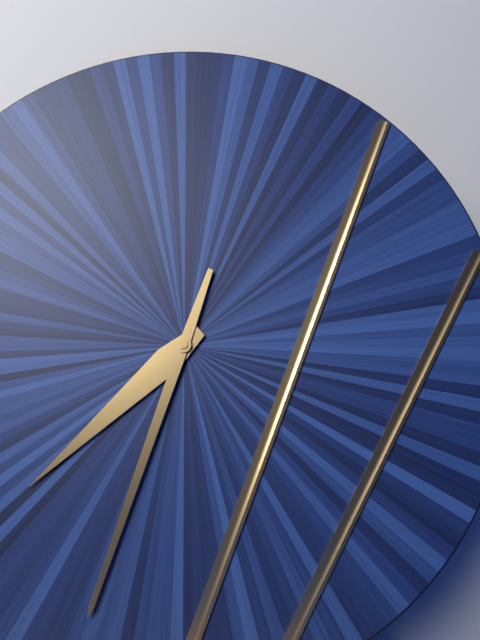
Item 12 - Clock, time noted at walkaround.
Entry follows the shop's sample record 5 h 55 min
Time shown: 7 h 33 min
